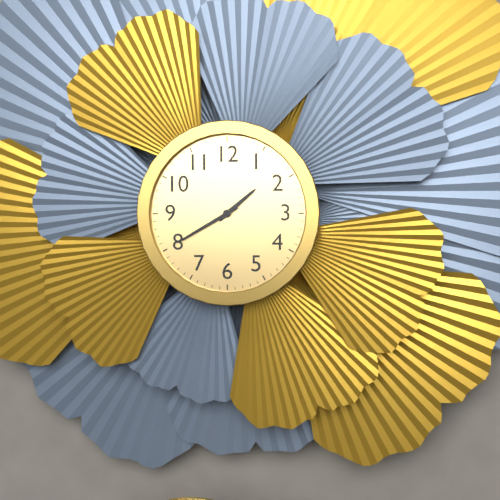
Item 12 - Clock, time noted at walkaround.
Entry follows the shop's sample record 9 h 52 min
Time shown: 1 h 40 min
